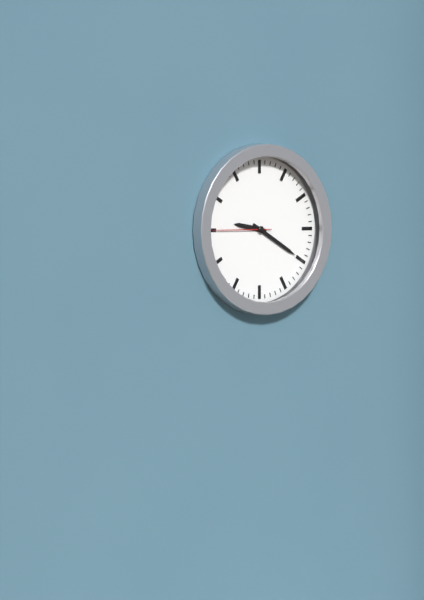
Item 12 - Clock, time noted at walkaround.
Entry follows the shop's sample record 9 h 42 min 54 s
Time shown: 9 h 20 min 45 s
